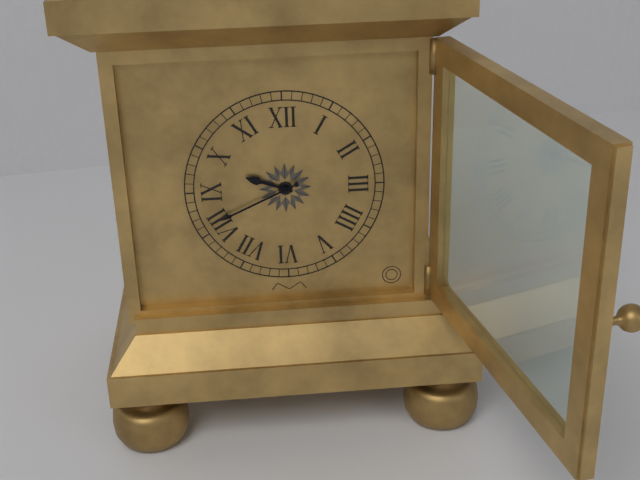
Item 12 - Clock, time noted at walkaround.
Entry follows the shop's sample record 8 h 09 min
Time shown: 9 h 41 min
